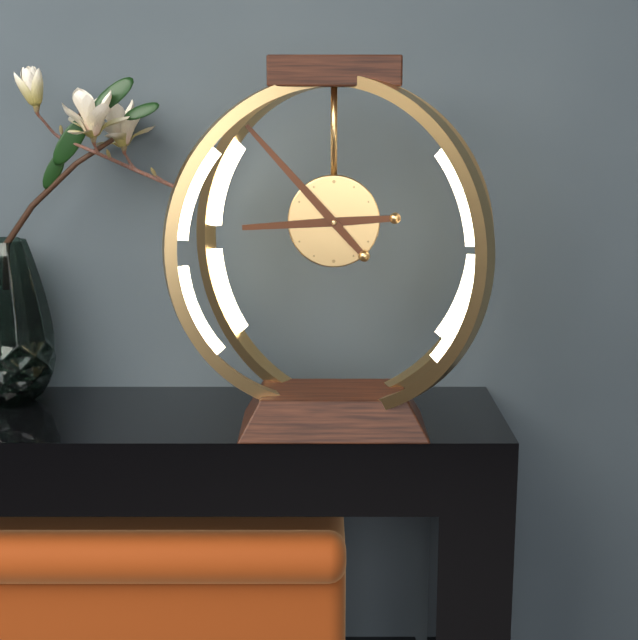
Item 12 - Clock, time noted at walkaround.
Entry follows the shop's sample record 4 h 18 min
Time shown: 8 h 53 min
